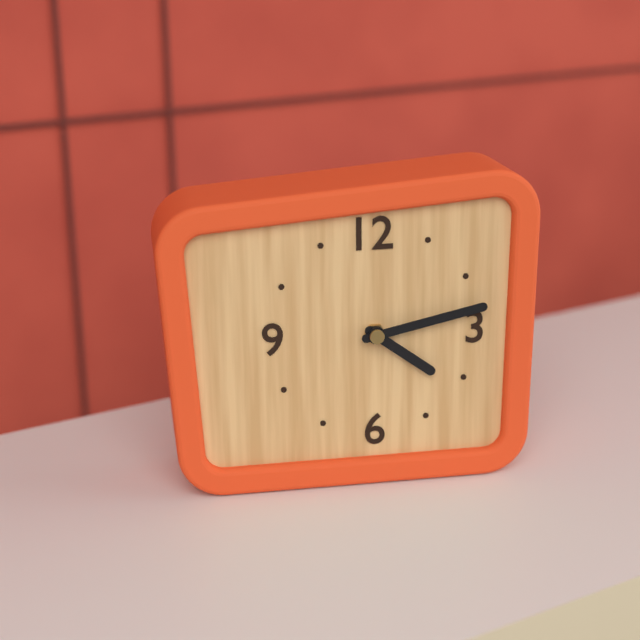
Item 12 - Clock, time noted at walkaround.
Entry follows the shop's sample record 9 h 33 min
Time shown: 4 h 13 min
